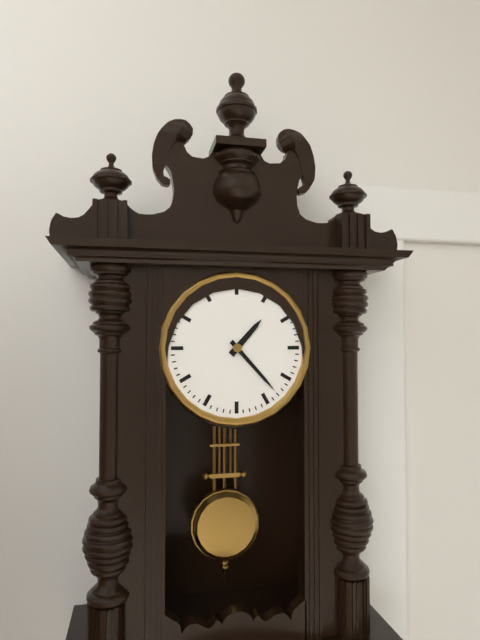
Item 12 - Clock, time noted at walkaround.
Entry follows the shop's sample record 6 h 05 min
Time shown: 1 h 23 min
